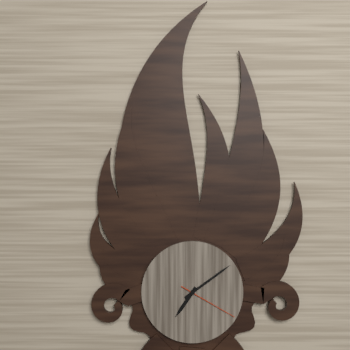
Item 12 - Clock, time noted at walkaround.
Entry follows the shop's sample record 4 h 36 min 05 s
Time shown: 7 h 09 min 20 s
